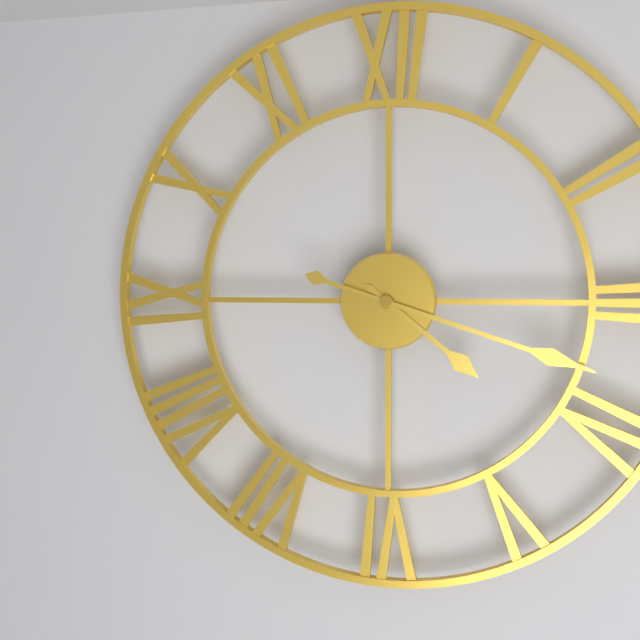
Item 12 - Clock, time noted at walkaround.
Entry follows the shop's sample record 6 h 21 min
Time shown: 4 h 18 min
